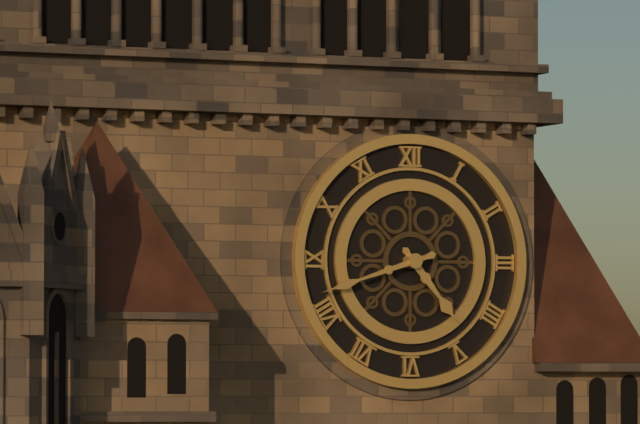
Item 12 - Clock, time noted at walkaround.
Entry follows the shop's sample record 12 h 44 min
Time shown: 4 h 42 min
